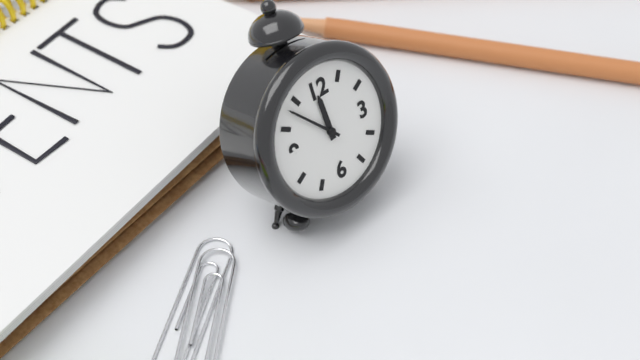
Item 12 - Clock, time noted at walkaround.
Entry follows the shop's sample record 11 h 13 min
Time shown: 11 h 53 min
